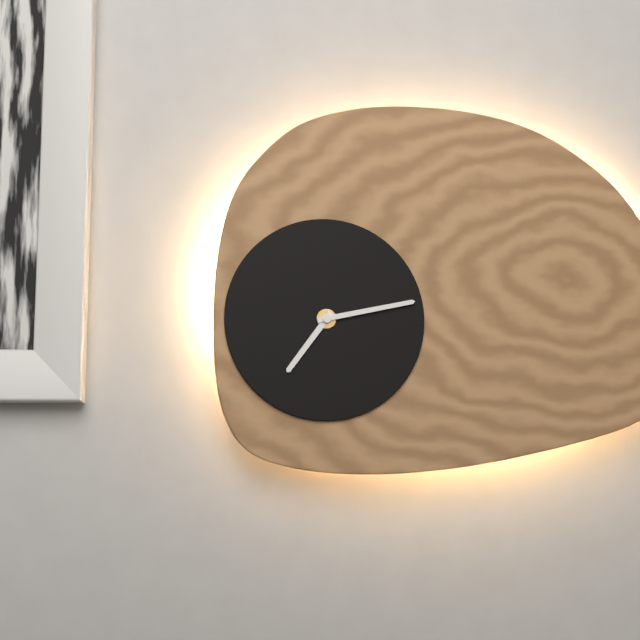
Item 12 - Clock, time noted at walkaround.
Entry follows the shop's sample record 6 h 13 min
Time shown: 7 h 13 min
